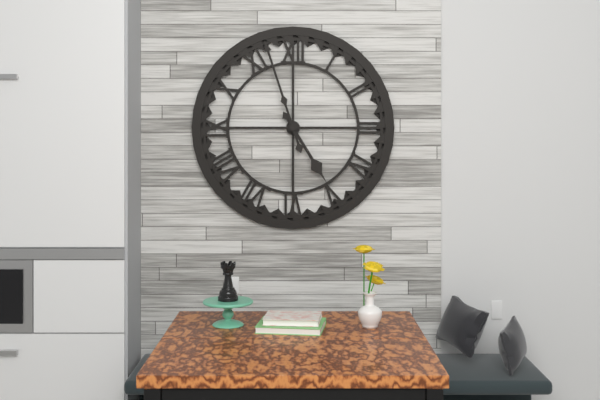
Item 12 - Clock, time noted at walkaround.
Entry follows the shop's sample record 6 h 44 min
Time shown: 4 h 57 min
